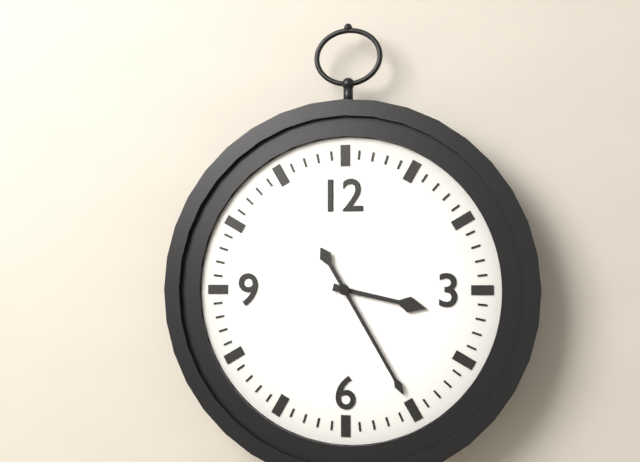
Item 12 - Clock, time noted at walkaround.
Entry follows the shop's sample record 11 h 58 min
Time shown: 3 h 25 min
